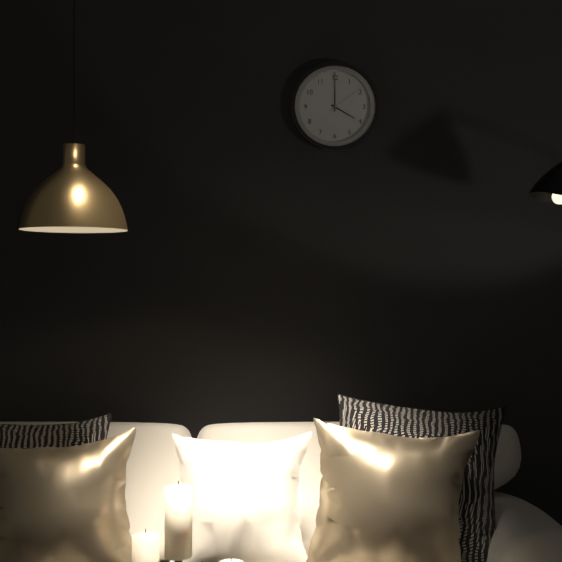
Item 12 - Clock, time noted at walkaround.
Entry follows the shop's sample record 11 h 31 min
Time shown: 4 h 00 min
